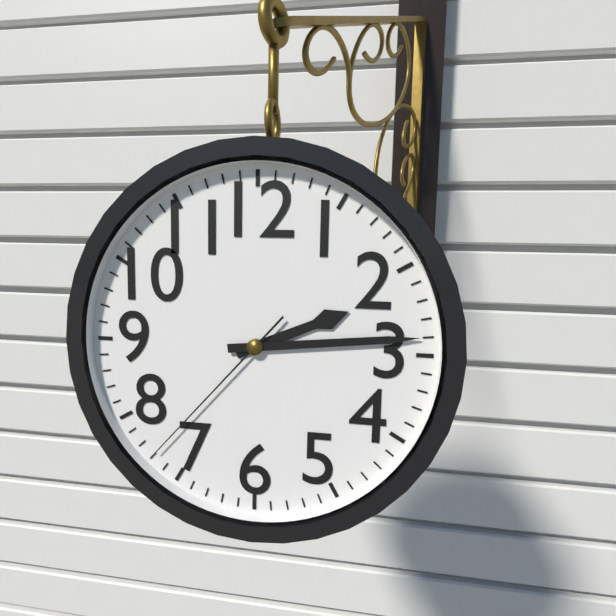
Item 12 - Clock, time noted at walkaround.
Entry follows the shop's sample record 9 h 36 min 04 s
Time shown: 2 h 14 min 37 s
